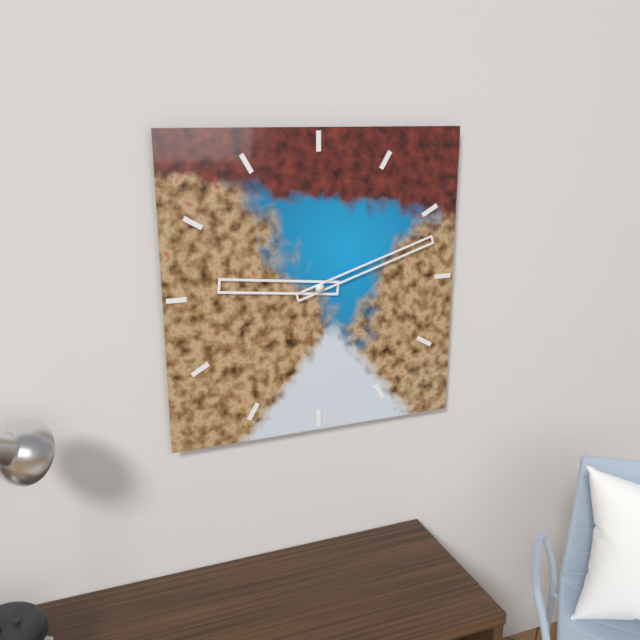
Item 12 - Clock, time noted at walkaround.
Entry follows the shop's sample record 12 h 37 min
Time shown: 9 h 12 min
